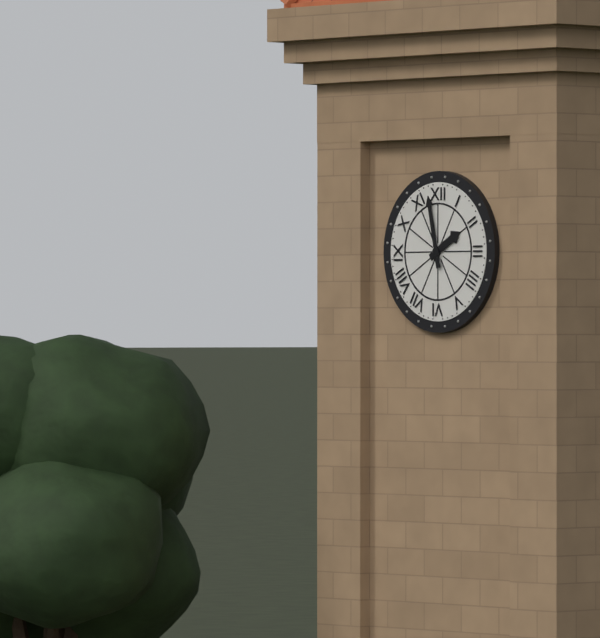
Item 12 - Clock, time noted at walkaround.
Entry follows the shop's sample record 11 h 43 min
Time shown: 1 h 58 min
